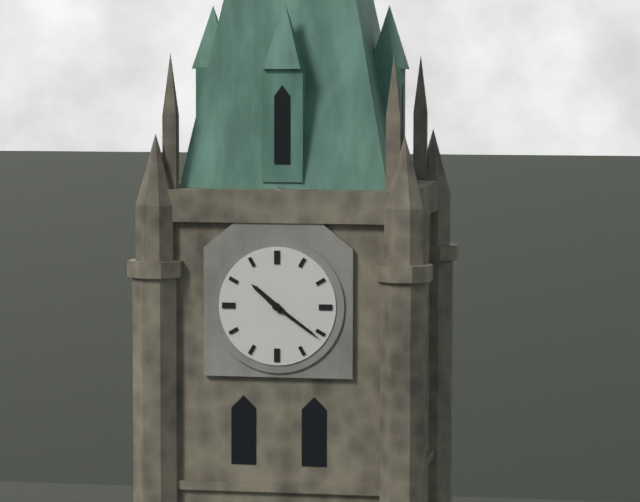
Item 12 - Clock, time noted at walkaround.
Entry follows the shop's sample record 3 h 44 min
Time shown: 10 h 21 min
